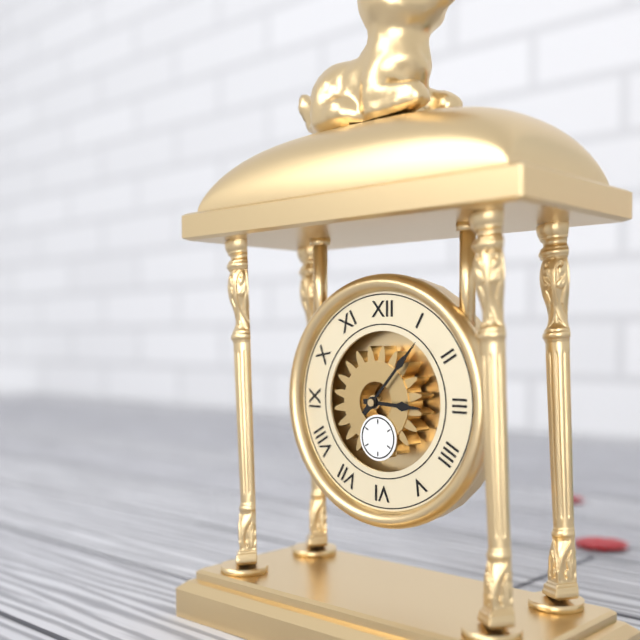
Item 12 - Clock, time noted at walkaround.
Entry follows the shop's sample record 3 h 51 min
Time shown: 3 h 07 min
